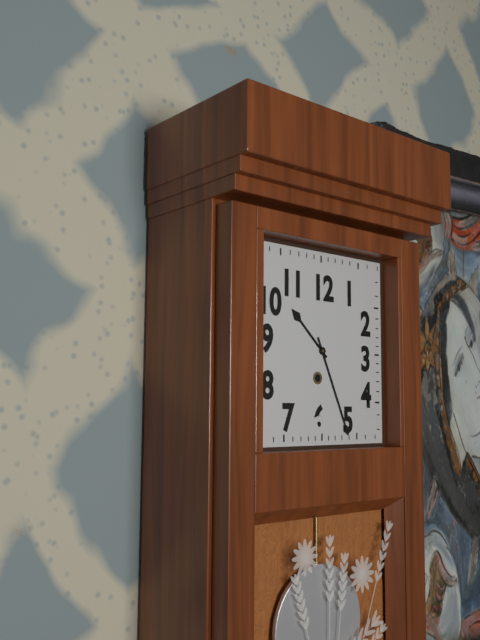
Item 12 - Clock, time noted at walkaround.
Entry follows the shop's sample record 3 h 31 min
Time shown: 10 h 26 min
